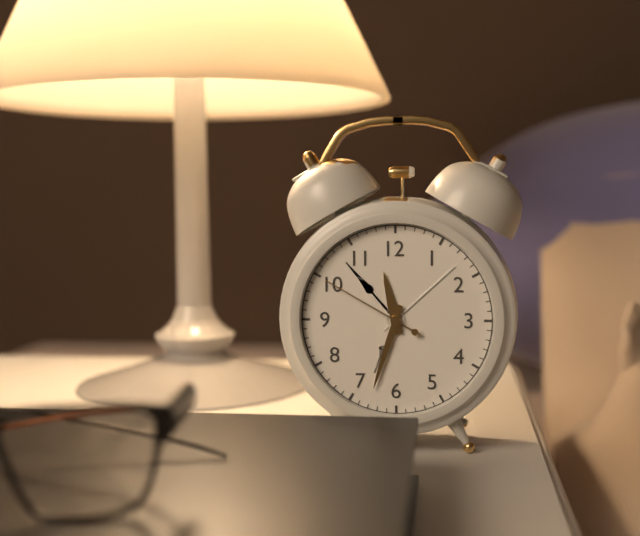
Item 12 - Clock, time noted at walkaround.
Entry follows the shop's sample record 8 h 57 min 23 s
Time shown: 11 h 33 min 50 s
